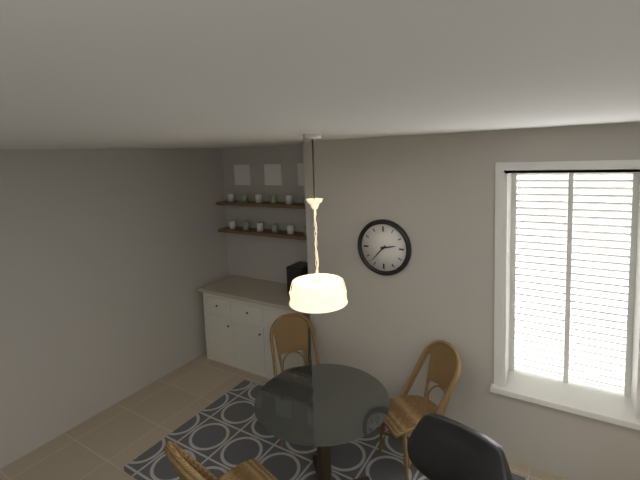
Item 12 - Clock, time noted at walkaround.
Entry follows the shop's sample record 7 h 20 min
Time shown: 2 h 37 min
